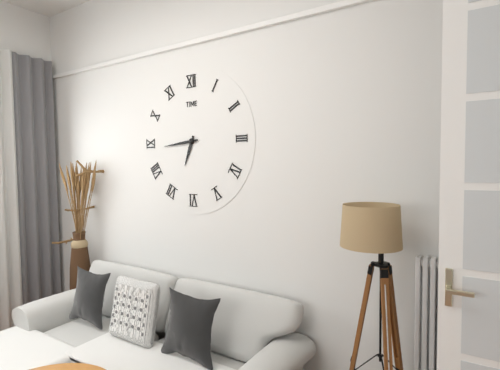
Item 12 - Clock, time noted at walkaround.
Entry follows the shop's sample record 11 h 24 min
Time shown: 6 h 44 min
